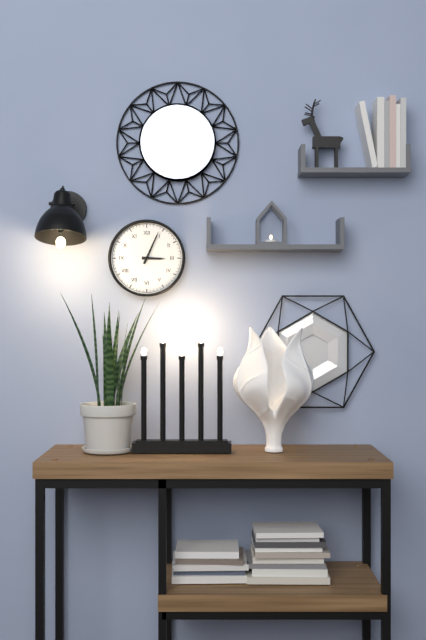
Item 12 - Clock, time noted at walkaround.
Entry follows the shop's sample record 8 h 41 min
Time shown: 3 h 04 min
